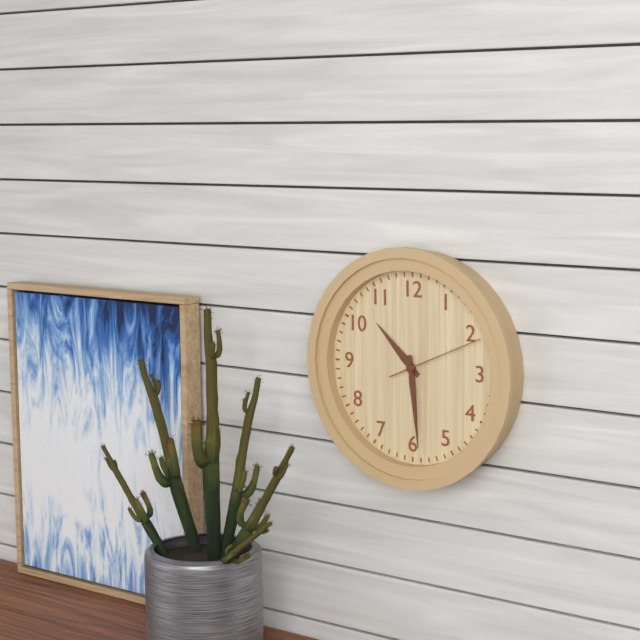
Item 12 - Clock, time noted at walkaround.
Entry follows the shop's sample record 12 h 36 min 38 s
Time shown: 10 h 29 min 11 s
